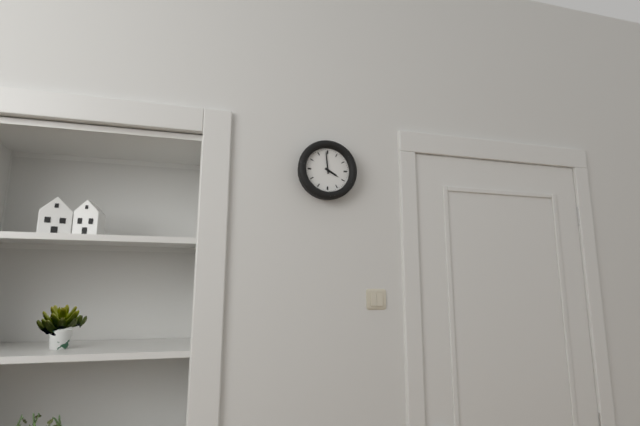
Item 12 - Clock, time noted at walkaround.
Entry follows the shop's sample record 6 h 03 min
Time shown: 3 h 59 min
